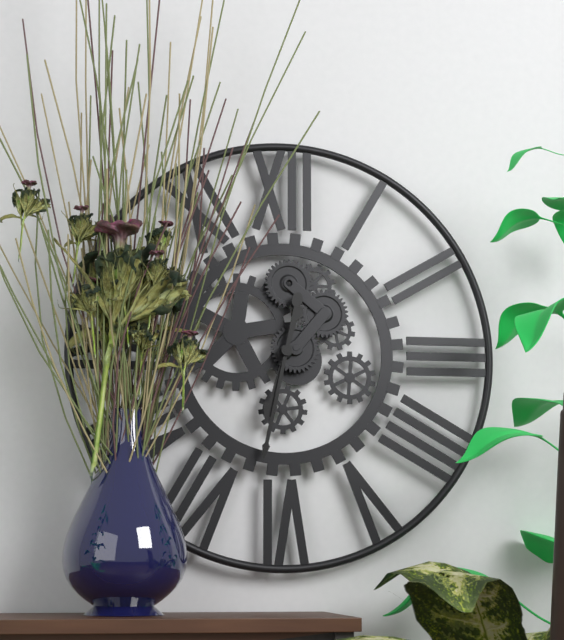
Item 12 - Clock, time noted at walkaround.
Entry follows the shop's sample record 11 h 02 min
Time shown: 6 h 32 min
